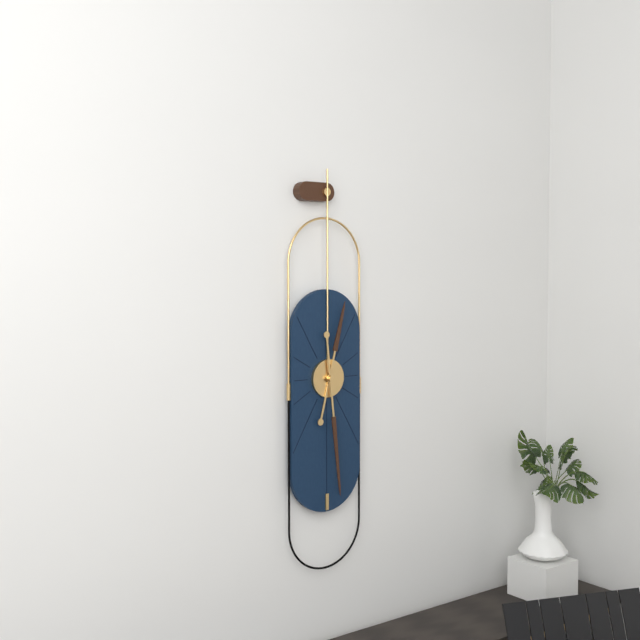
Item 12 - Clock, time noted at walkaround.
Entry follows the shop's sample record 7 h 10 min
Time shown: 12 h 29 min
